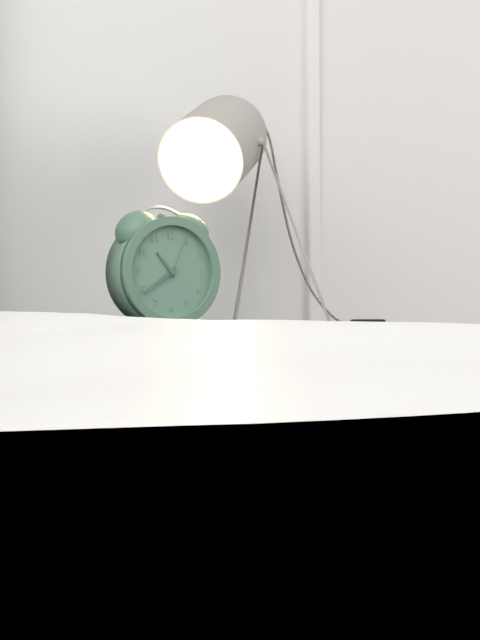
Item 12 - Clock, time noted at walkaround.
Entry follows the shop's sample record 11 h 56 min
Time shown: 10 h 39 min
